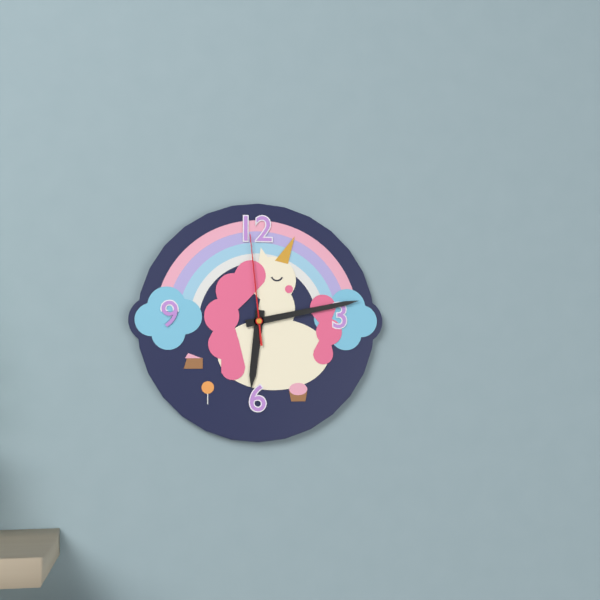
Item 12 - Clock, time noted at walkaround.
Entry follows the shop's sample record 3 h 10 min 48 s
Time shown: 6 h 13 min 59 s
